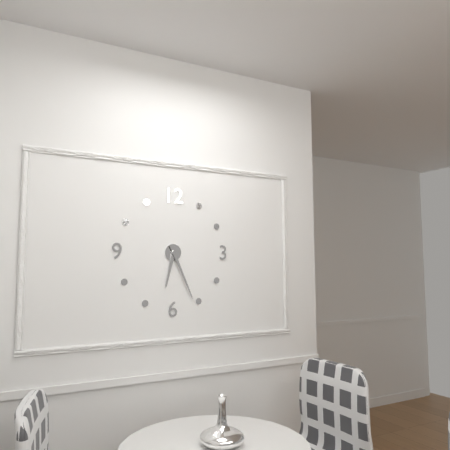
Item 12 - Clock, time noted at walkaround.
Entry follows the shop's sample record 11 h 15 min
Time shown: 6 h 26 min
